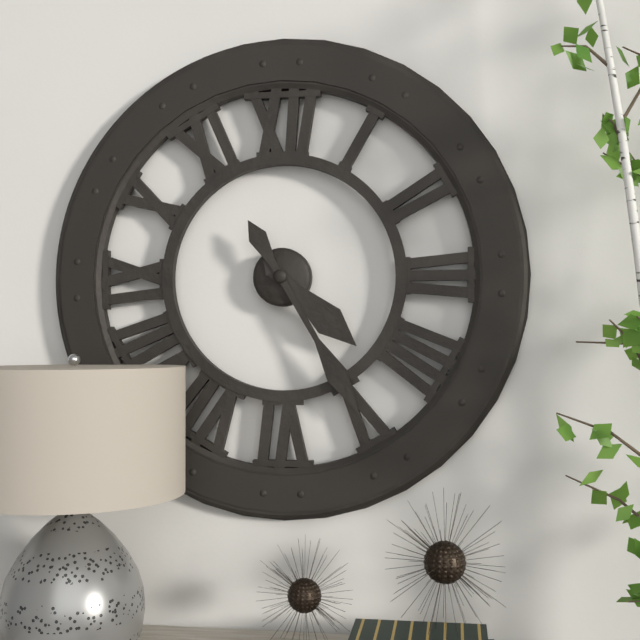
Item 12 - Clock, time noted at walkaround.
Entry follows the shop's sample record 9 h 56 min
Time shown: 4 h 25 min
